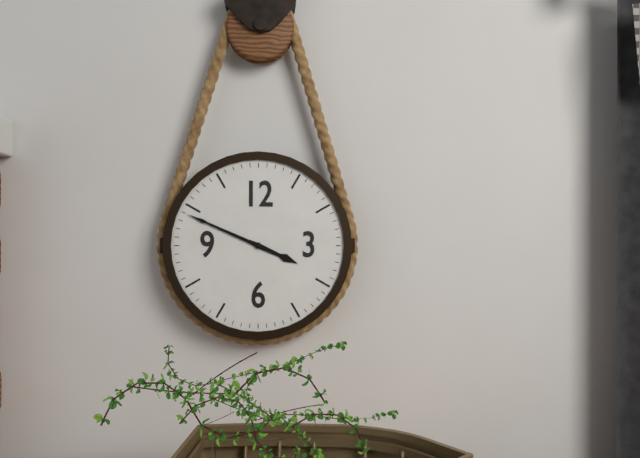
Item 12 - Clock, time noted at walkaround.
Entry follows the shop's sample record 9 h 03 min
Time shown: 3 h 49 min
